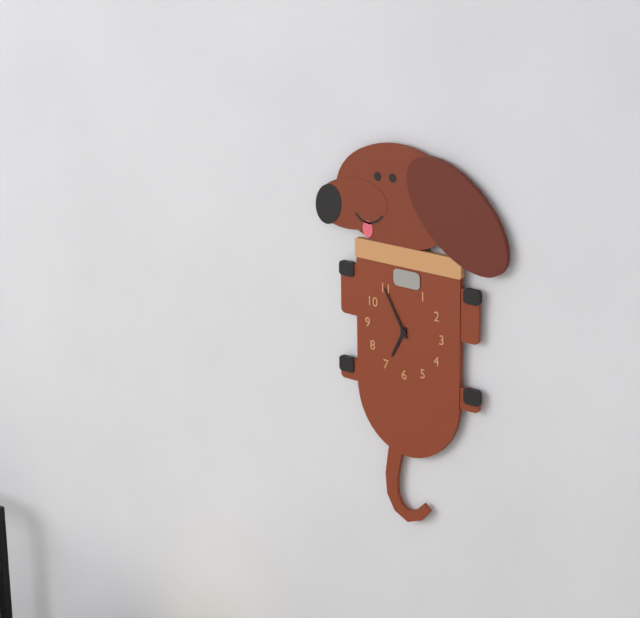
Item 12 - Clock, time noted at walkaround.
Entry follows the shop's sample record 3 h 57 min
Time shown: 6 h 55 min
